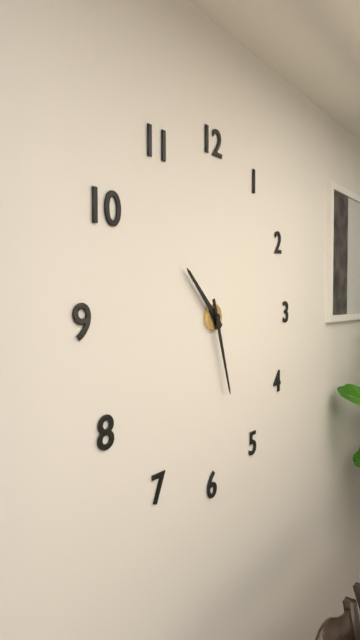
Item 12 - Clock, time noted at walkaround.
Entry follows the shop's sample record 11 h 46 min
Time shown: 10 h 27 min
